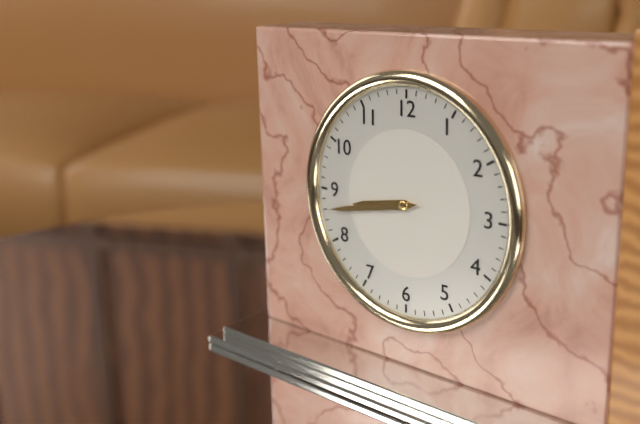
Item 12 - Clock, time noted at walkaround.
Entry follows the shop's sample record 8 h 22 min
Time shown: 8 h 43 min
